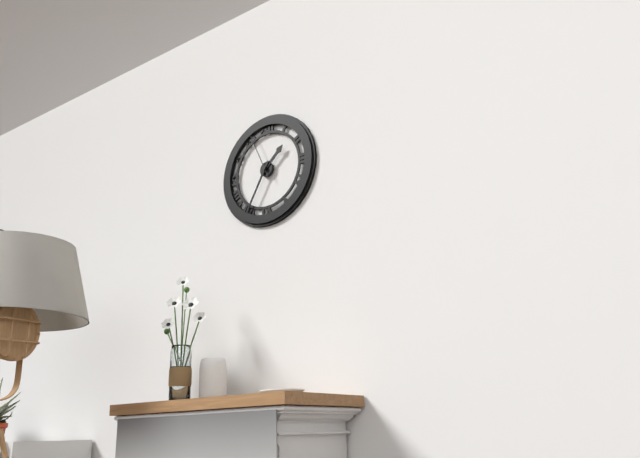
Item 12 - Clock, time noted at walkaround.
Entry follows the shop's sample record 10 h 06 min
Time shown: 1 h 35 min
